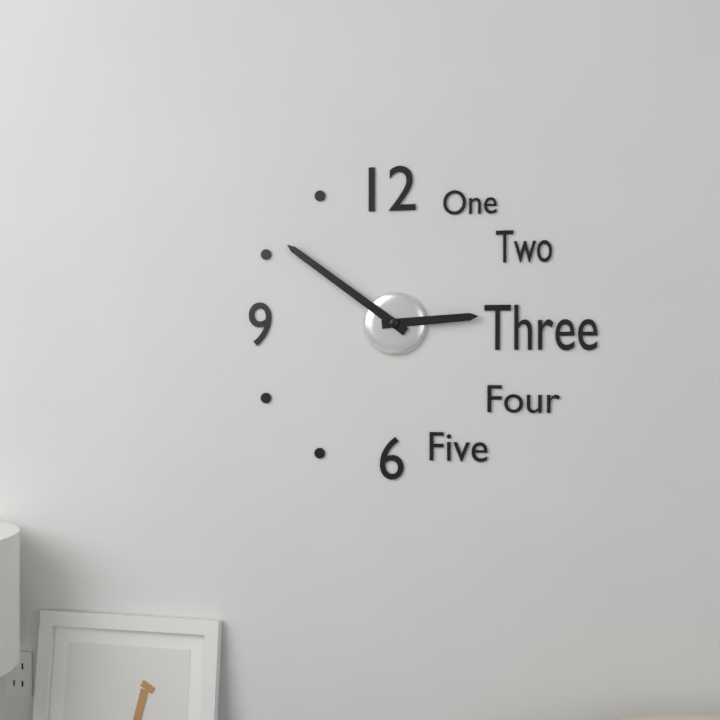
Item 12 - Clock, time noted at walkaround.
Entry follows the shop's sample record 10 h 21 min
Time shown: 2 h 51 min
